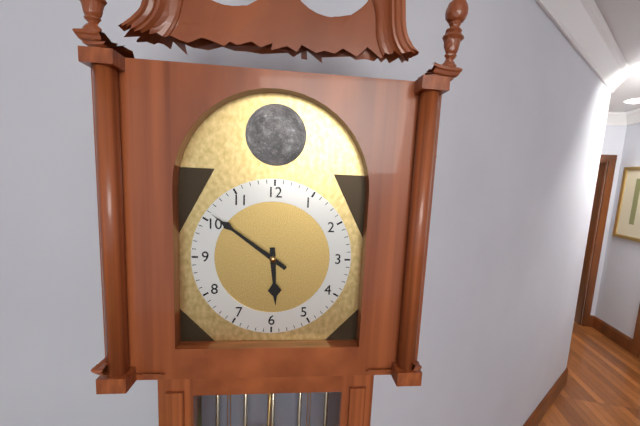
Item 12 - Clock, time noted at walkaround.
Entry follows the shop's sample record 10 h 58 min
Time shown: 5 h 51 min
